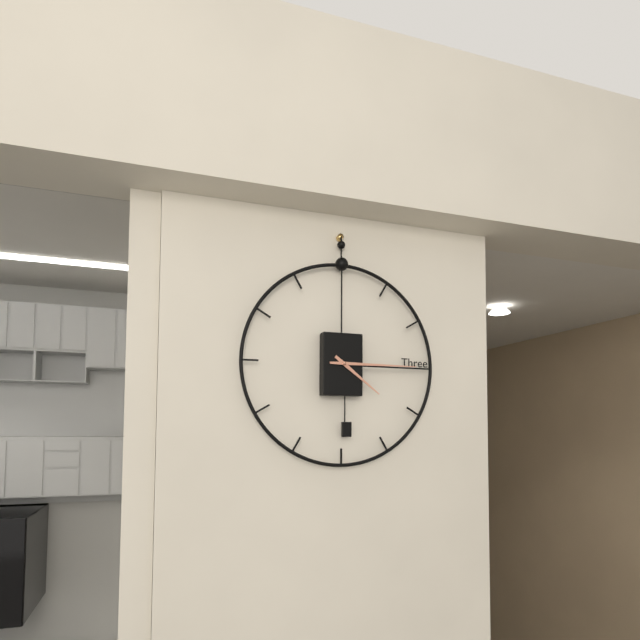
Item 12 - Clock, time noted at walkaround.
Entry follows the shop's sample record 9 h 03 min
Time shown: 4 h 15 min
